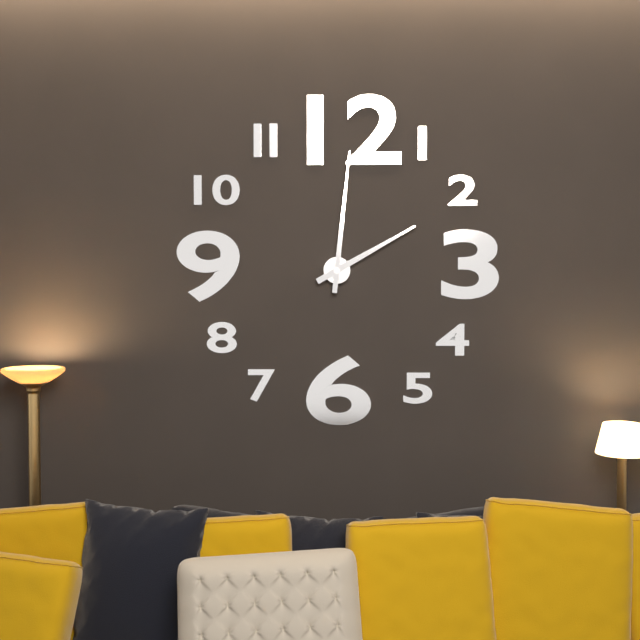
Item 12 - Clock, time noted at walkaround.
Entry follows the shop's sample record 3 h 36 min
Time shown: 2 h 01 min
